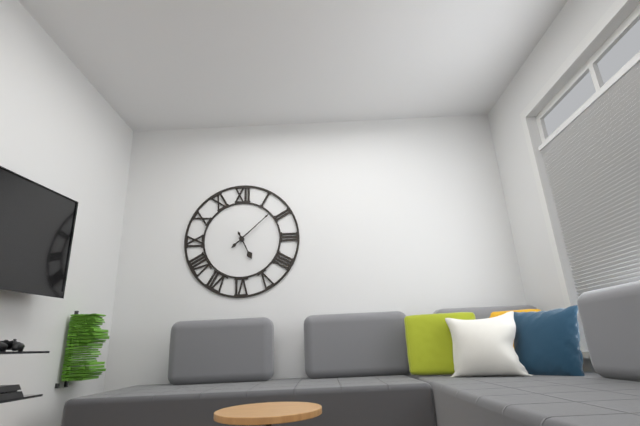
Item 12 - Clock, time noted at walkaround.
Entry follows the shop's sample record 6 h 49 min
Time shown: 5 h 08 min
